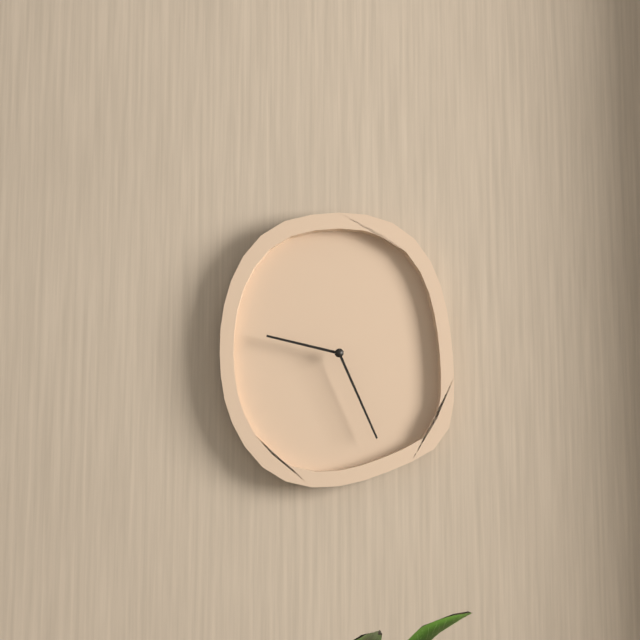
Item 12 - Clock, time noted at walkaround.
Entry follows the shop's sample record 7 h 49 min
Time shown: 9 h 26 min
